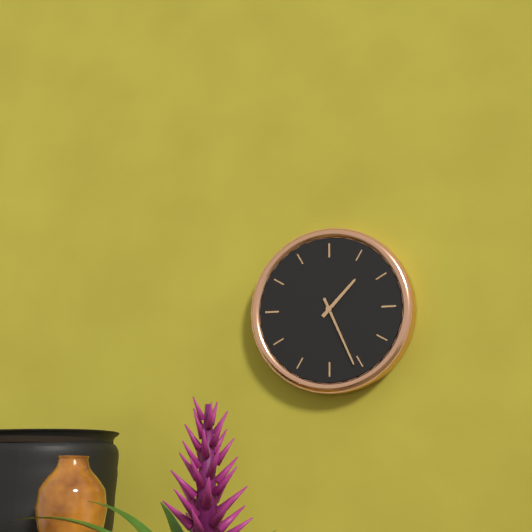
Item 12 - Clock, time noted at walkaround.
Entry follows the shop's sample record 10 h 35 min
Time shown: 1 h 26 min
